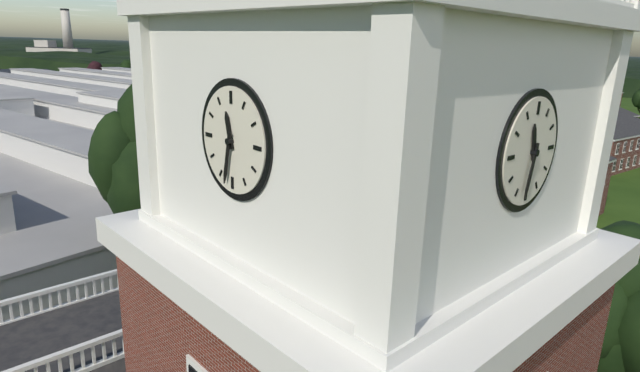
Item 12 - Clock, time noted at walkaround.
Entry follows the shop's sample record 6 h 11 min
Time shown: 11 h 32 min
